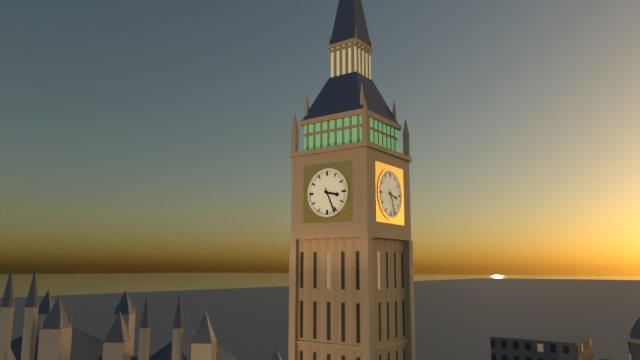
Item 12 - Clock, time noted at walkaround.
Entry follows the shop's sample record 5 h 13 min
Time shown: 3 h 26 min
